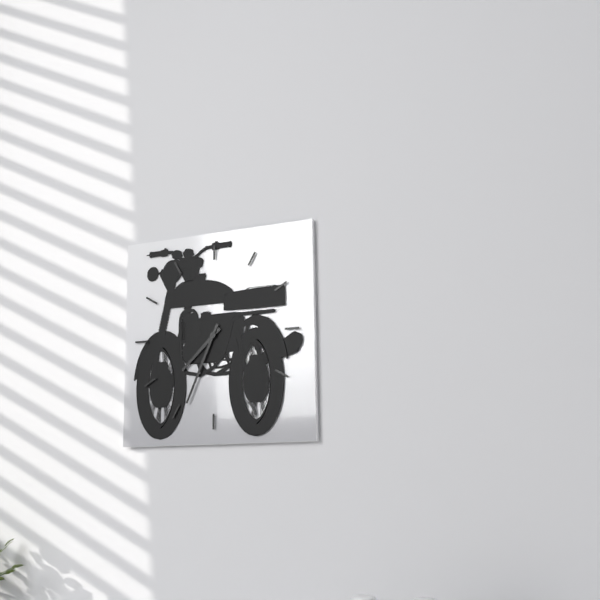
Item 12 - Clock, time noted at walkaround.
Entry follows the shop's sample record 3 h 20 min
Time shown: 7 h 34 min
